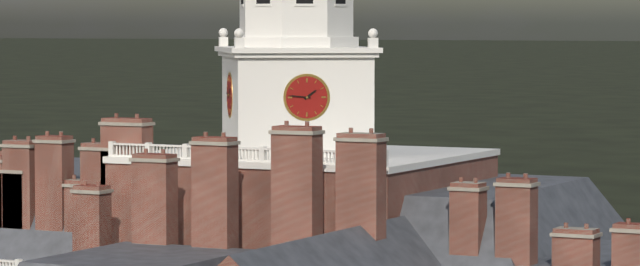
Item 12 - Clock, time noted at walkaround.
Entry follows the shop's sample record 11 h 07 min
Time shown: 1 h 46 min
